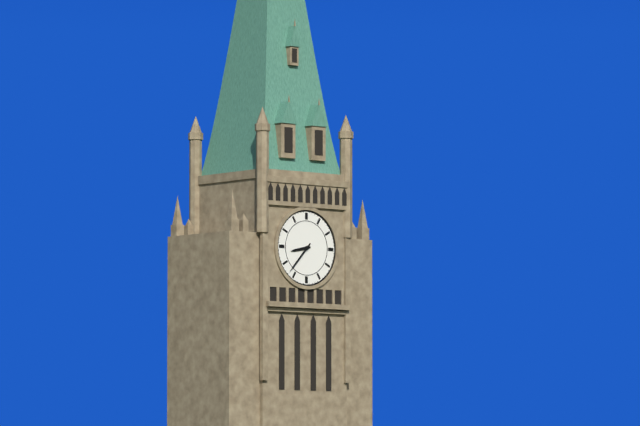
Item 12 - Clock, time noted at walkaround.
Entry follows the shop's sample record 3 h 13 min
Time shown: 8 h 37 min
